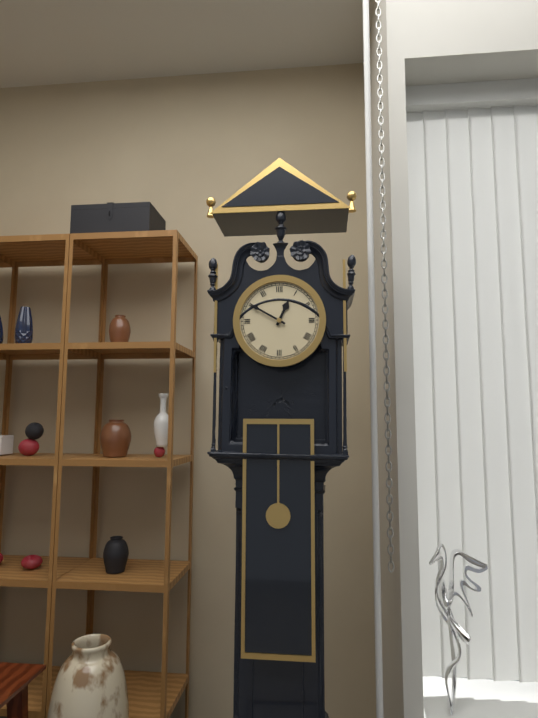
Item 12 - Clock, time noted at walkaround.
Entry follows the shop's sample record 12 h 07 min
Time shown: 12 h 50 min
